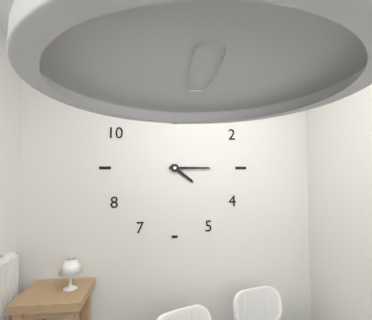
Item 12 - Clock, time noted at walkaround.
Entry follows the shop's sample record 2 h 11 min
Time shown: 4 h 15 min
